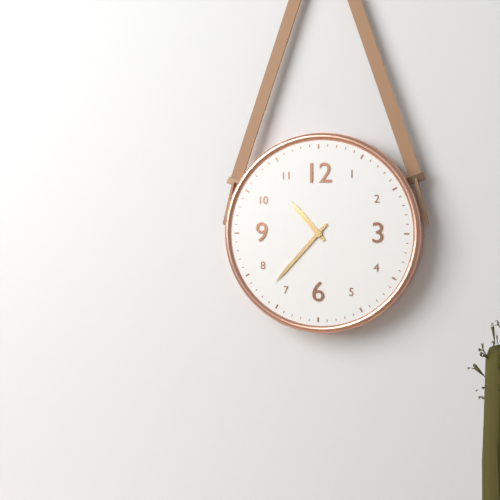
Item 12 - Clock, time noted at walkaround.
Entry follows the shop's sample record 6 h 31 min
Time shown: 10 h 37 min
